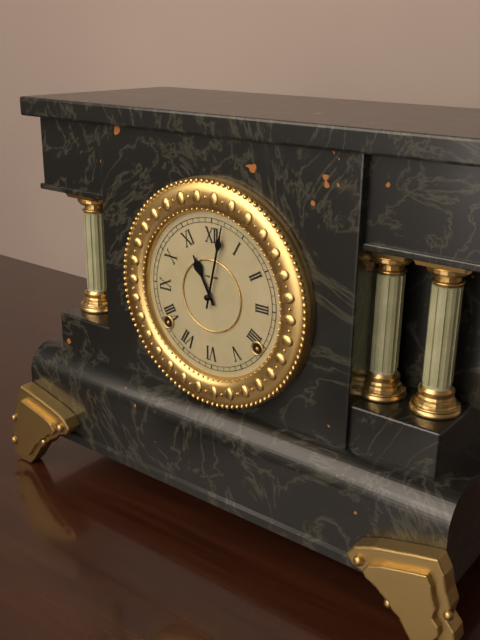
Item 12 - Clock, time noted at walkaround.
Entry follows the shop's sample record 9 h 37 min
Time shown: 11 h 02 min
